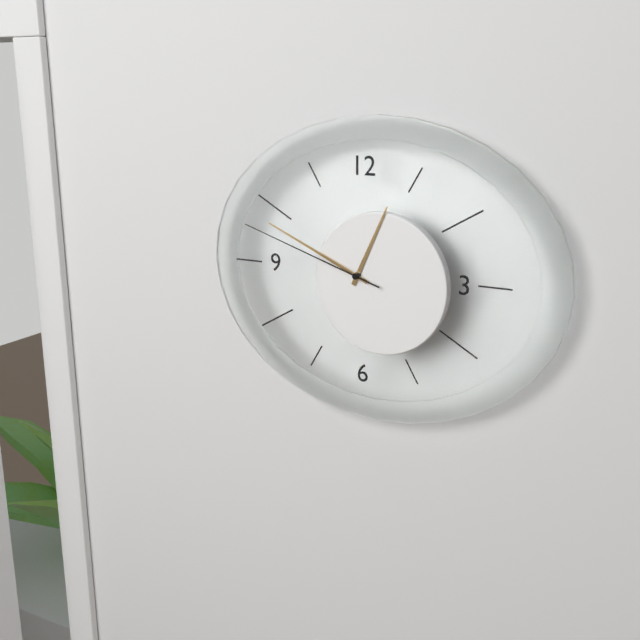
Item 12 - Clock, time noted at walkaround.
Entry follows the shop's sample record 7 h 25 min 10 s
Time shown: 12 h 49 min 48 s
